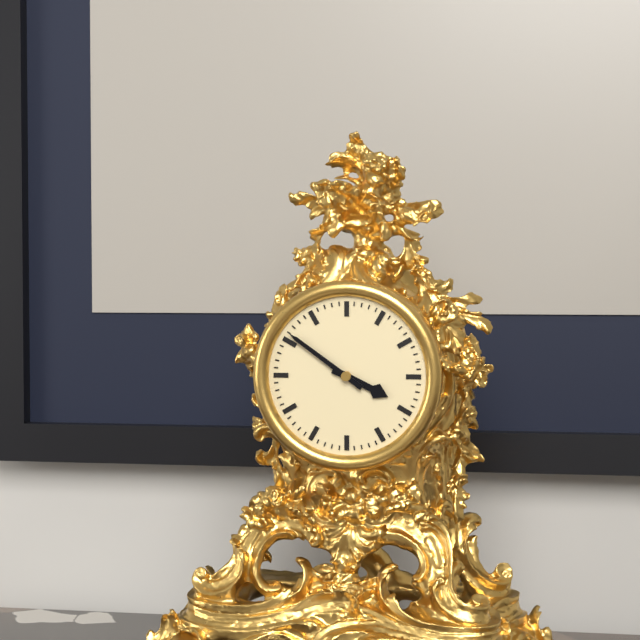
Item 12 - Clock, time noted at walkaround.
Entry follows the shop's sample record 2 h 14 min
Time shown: 3 h 51 min
